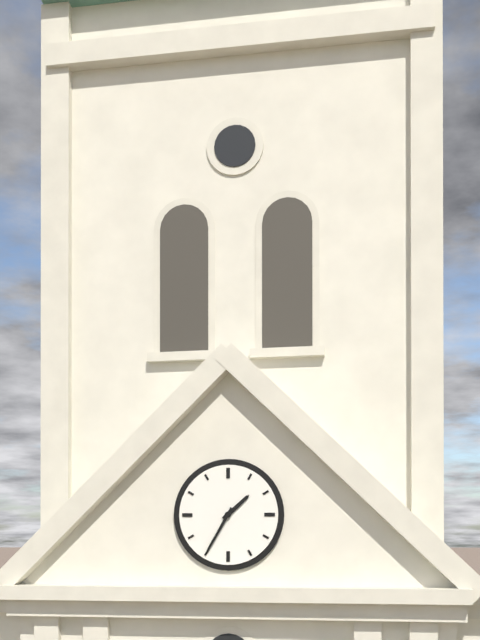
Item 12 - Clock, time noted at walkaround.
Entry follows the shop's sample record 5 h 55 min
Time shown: 1 h 35 min
